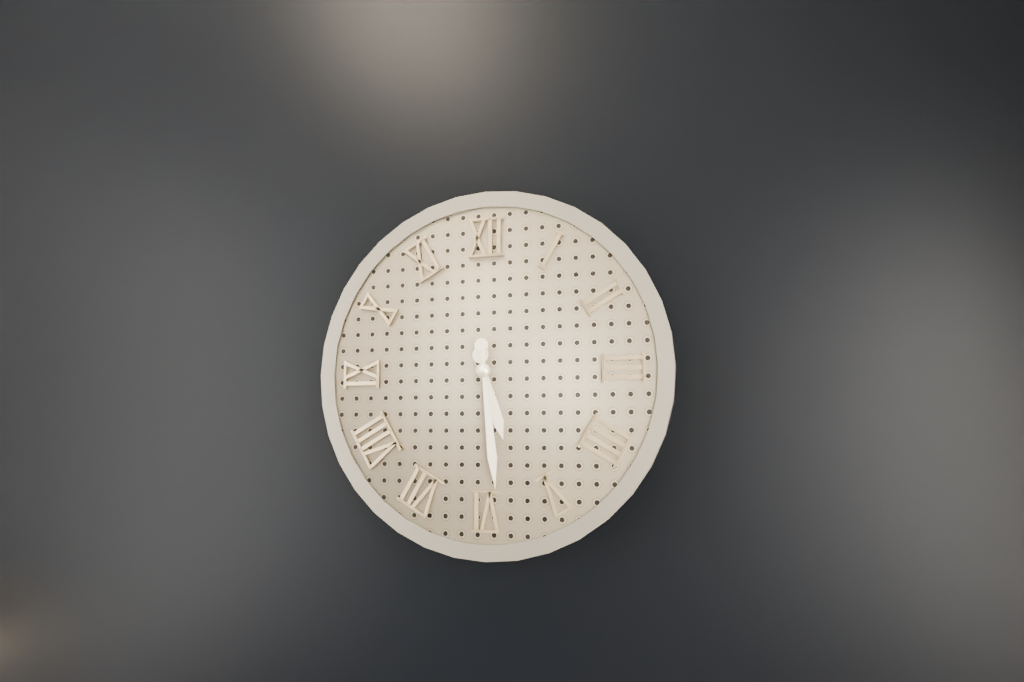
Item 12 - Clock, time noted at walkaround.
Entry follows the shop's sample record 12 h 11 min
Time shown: 5 h 29 min
